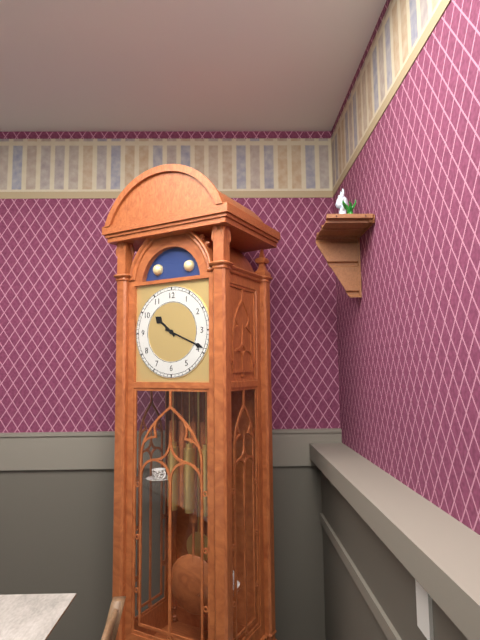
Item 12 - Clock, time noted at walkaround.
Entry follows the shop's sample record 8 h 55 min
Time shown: 10 h 19 min
